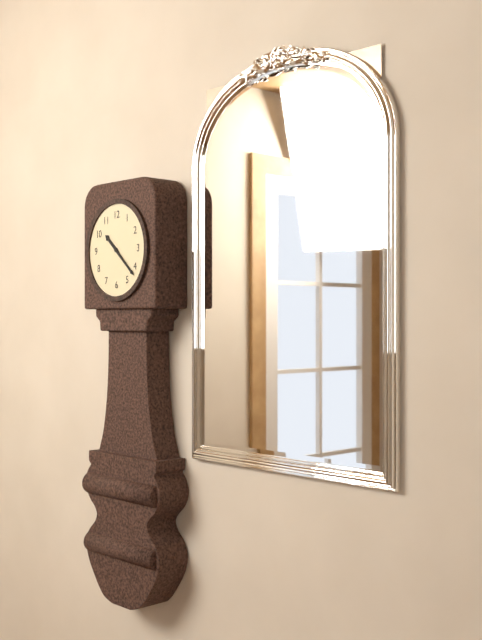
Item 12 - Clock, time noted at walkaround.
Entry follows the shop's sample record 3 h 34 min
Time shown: 10 h 22 min
